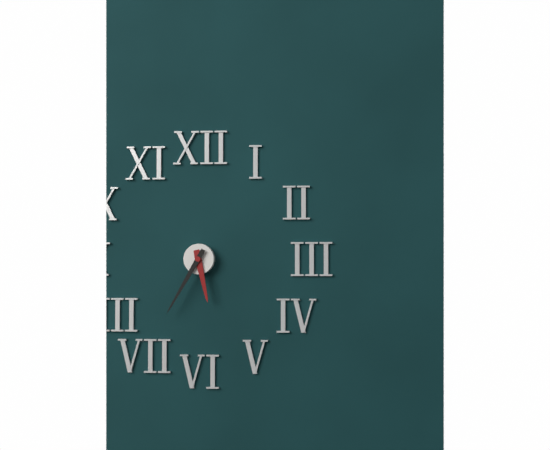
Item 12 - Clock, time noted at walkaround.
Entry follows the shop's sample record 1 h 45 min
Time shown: 5 h 35 min
